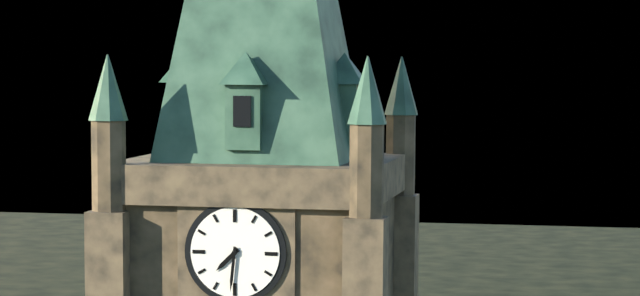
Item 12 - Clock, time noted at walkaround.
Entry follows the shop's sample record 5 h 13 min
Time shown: 7 h 31 min
